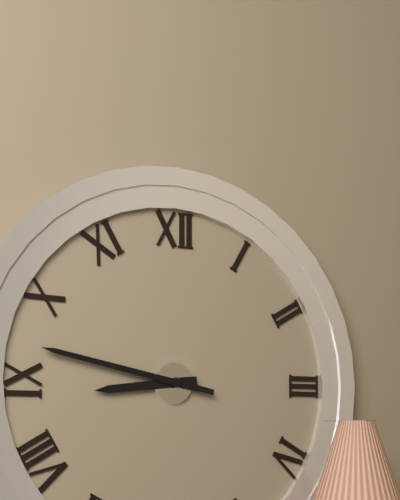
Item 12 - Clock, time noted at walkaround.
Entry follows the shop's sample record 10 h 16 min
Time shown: 8 h 47 min
